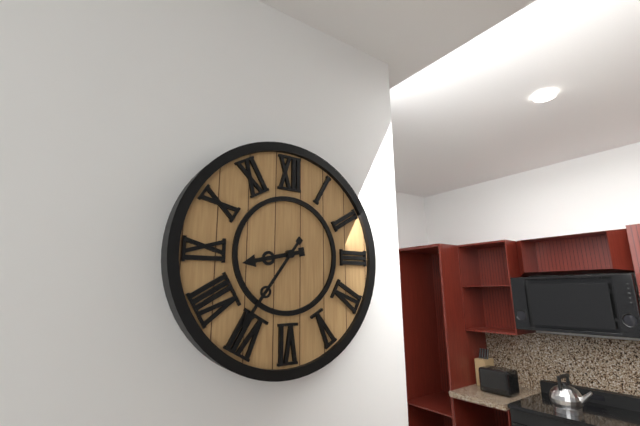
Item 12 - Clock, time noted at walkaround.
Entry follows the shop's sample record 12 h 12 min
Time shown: 8 h 36 min
